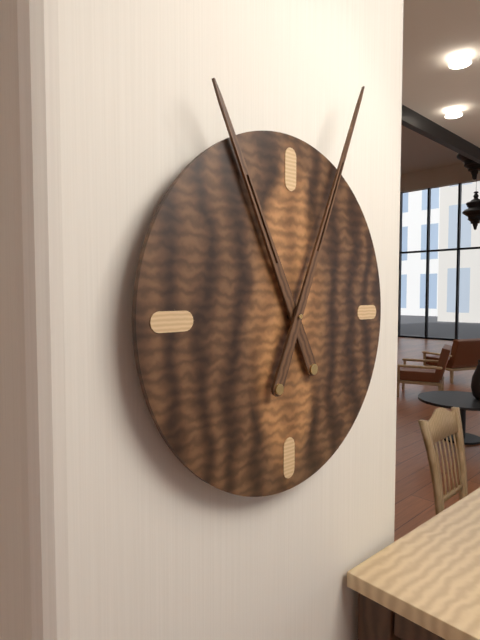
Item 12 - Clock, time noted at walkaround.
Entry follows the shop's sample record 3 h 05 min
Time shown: 11 h 04 min
